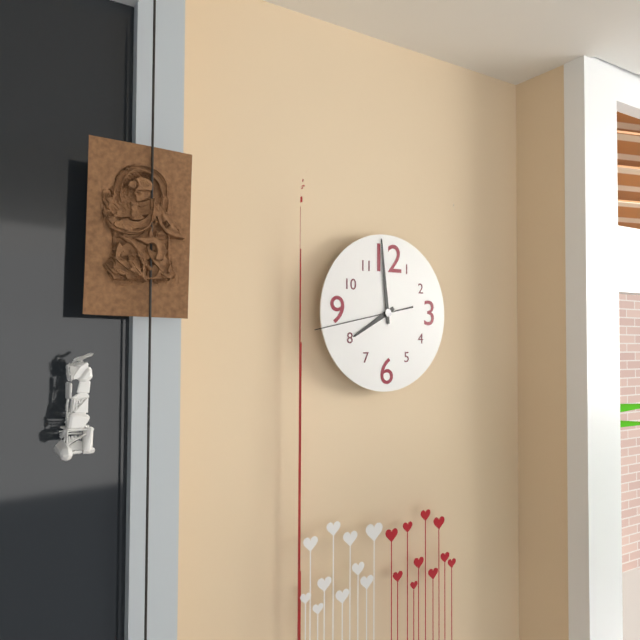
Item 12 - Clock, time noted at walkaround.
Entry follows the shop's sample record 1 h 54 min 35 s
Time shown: 7 h 59 min 43 s
